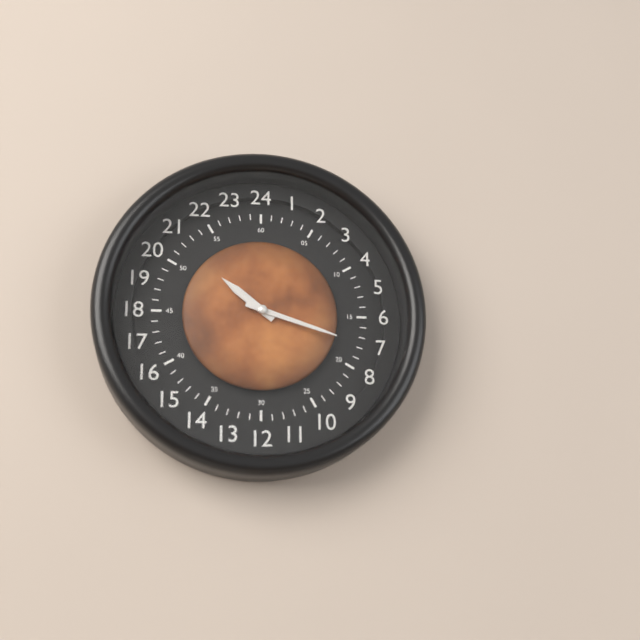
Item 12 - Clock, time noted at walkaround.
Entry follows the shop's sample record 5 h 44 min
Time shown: 10 h 18 min
